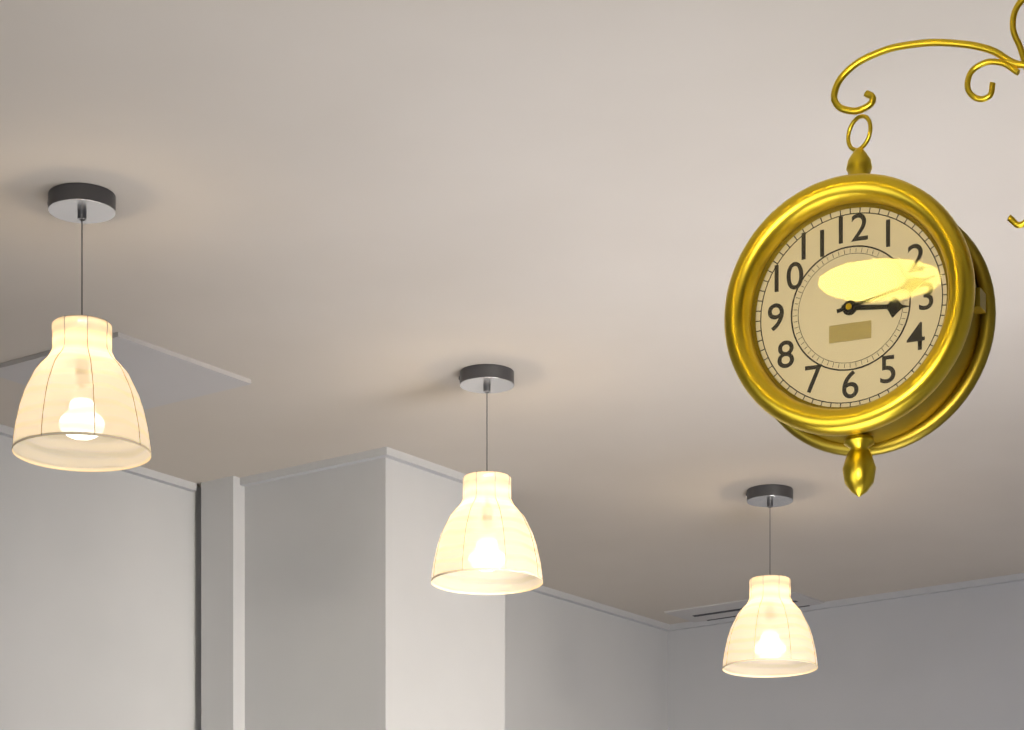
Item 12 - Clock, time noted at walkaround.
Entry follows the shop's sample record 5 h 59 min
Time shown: 3 h 13 min
